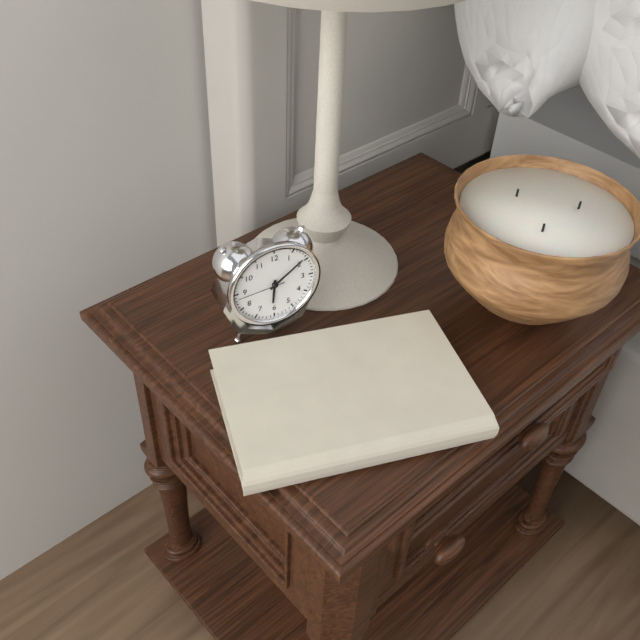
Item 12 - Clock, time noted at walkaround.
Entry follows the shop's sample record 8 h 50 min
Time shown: 6 h 09 min
